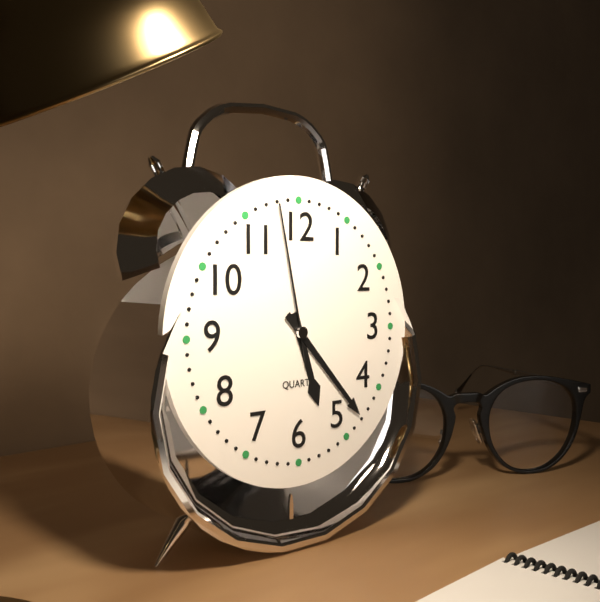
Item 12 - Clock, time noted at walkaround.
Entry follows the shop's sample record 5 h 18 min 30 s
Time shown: 5 h 23 min 58 s
